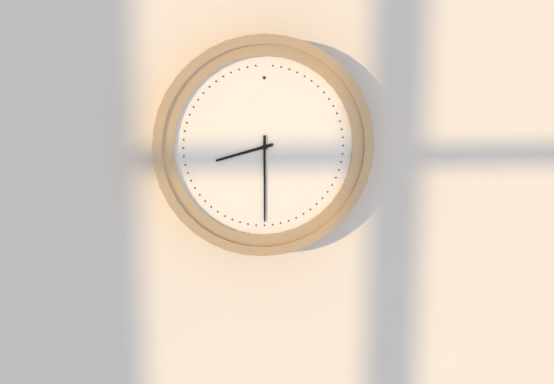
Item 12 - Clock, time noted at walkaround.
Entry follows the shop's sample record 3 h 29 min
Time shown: 8 h 30 min
